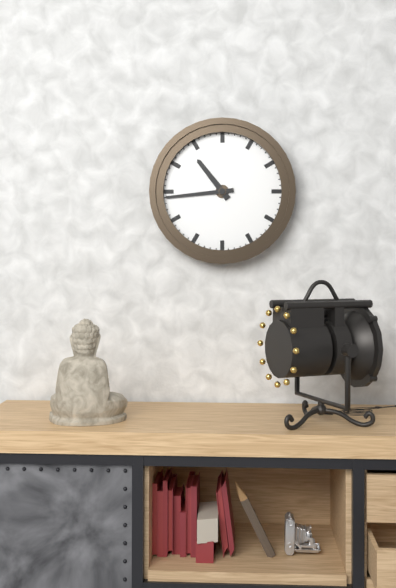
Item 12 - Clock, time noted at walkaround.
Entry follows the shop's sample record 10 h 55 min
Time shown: 10 h 44 min
